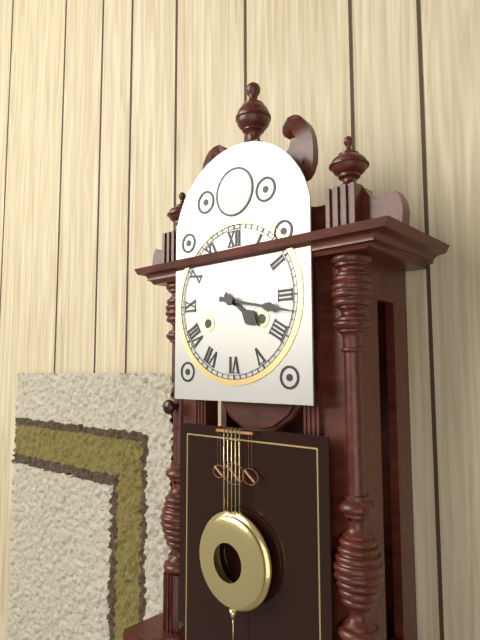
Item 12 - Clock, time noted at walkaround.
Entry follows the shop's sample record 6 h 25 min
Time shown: 4 h 17 min
